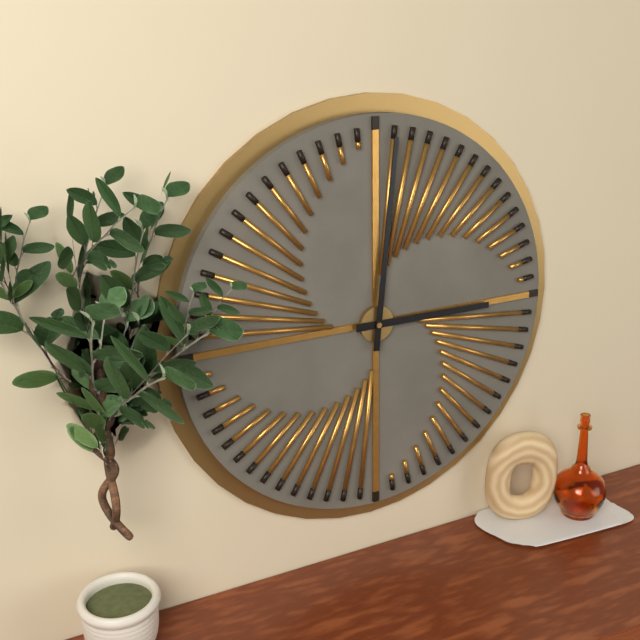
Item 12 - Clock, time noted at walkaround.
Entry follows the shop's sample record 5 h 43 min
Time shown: 3 h 01 min
